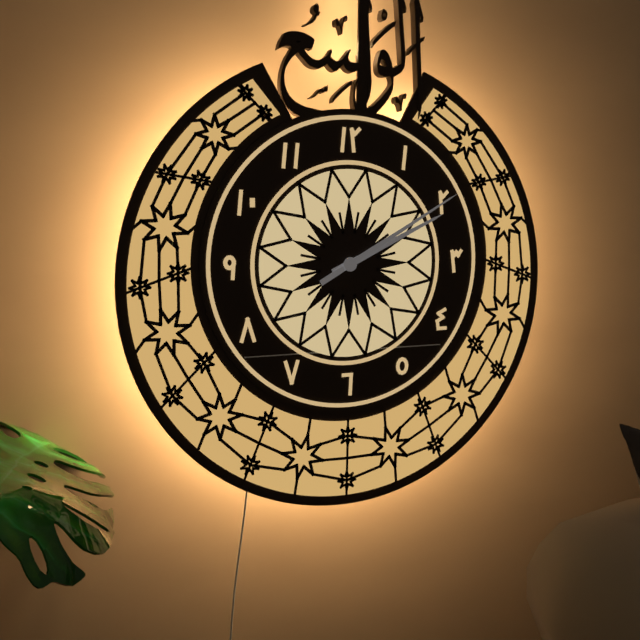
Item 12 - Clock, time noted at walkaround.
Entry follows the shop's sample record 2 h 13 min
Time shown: 2 h 10 min
